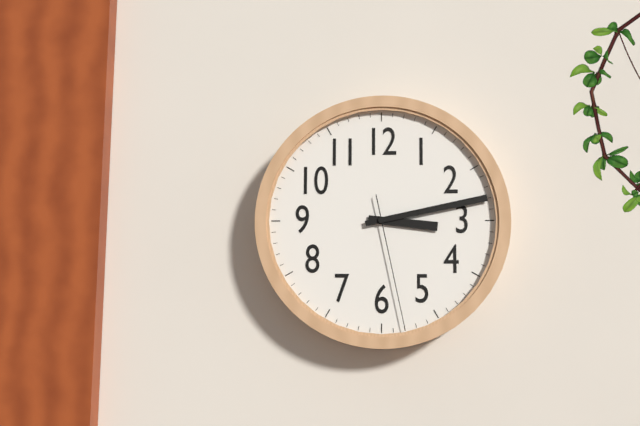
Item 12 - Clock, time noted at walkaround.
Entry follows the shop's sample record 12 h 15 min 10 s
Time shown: 3 h 13 min 28 s
